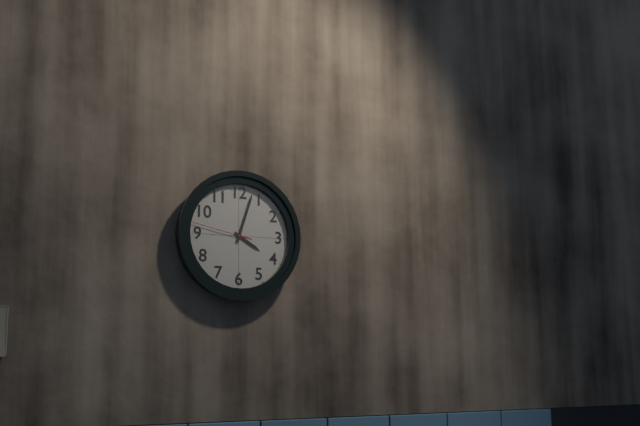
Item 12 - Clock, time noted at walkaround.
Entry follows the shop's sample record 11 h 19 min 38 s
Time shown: 4 h 03 min 47 s
